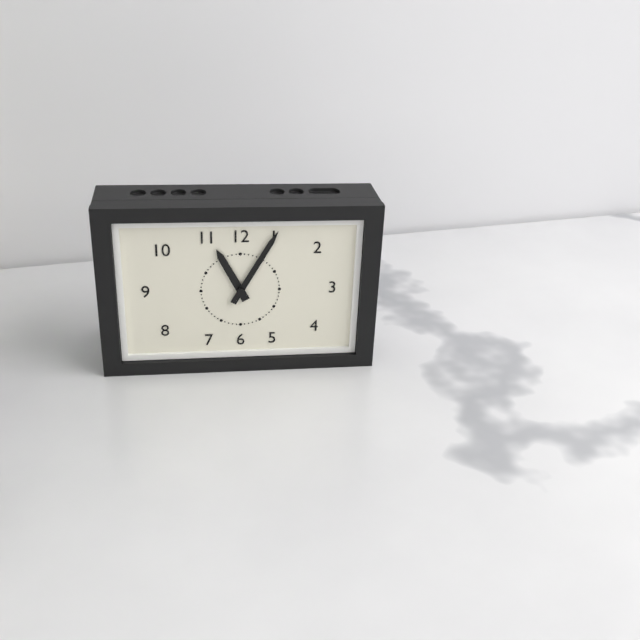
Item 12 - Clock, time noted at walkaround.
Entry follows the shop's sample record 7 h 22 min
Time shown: 11 h 05 min
